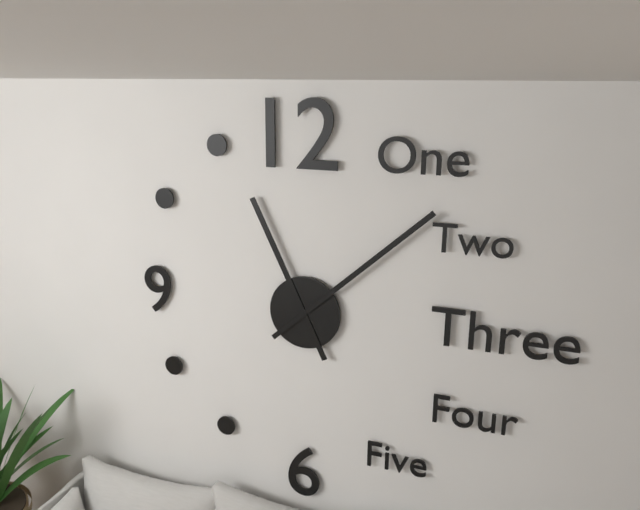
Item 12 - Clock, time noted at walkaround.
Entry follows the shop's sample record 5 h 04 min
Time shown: 11 h 08 min
